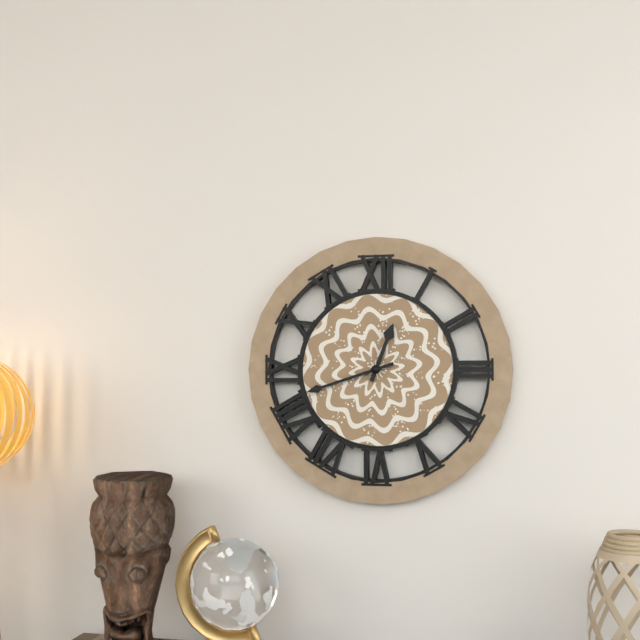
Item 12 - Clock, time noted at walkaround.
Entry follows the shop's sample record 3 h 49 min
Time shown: 12 h 42 min
